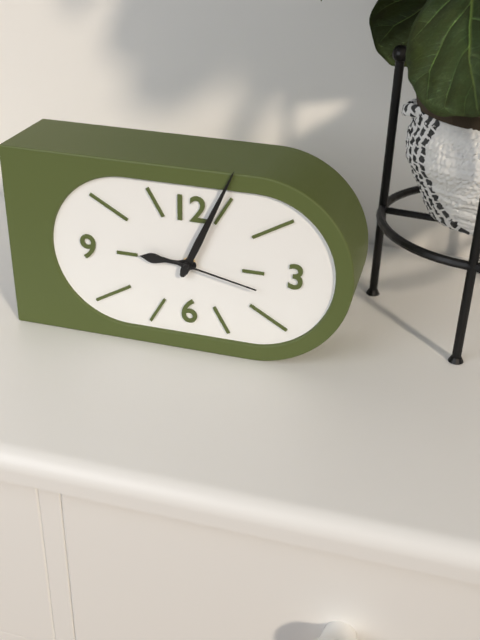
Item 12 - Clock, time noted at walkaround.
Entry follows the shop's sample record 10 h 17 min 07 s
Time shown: 9 h 04 min 17 s
